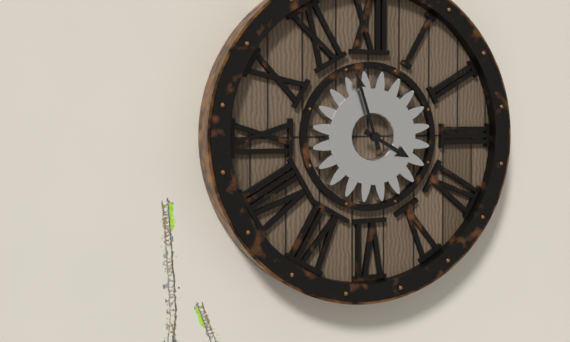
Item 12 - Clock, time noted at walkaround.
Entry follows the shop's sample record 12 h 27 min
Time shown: 3 h 57 min
